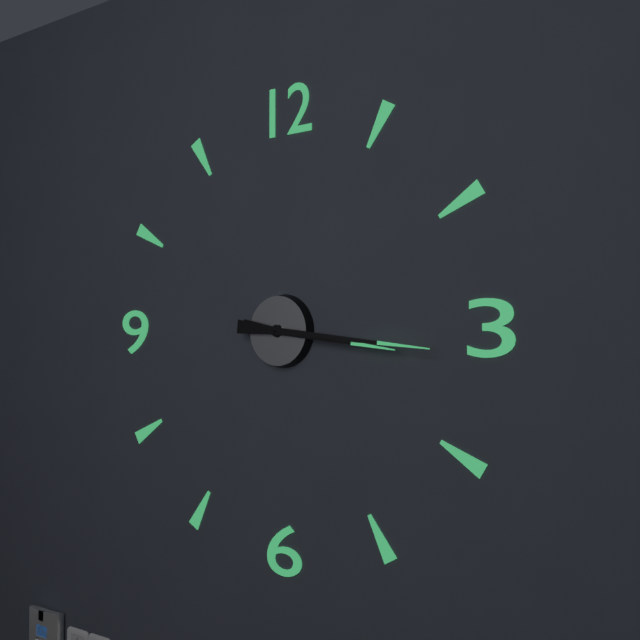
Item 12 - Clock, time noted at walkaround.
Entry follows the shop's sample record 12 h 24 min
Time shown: 3 h 16 min
